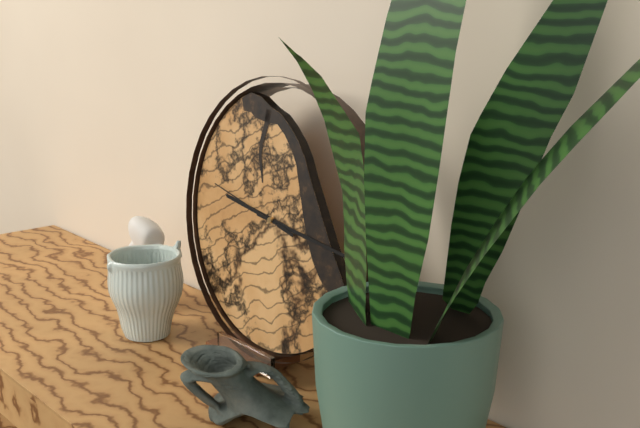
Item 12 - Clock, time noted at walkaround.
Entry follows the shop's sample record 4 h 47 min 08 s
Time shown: 9 h 16 min 47 s
